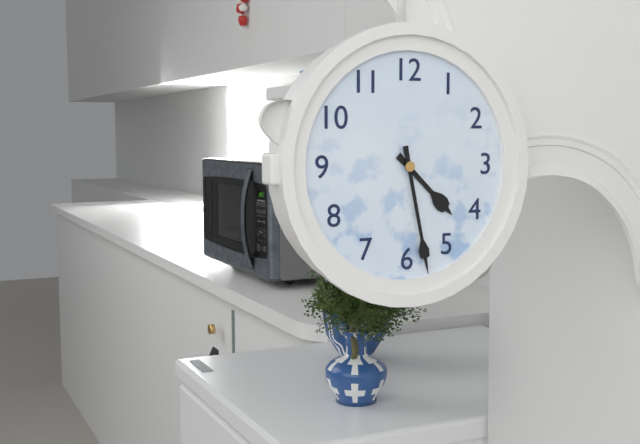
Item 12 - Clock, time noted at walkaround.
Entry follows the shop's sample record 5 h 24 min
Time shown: 4 h 28 min
